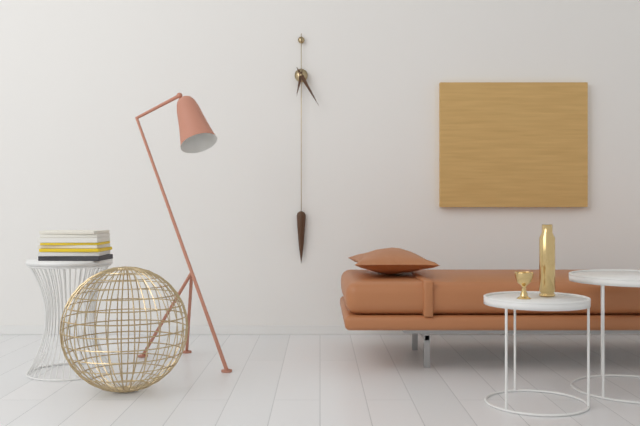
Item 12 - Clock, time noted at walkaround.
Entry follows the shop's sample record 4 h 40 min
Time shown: 6 h 25 min
